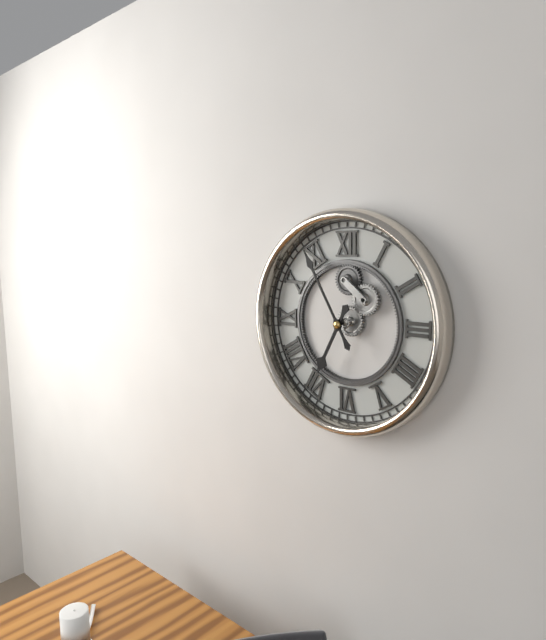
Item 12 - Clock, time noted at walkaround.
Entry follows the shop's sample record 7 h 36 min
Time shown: 6 h 55 min
